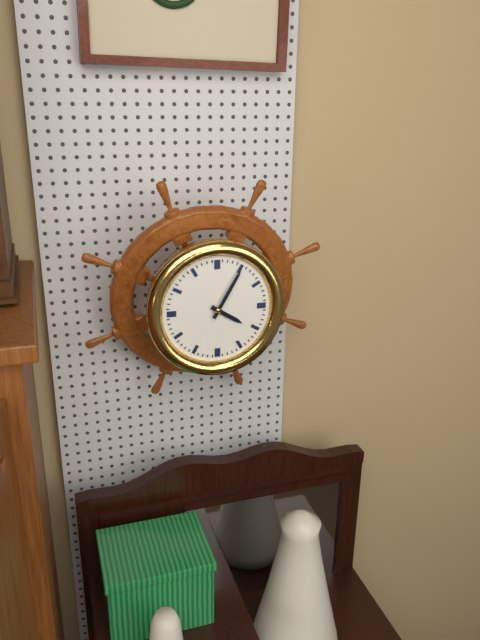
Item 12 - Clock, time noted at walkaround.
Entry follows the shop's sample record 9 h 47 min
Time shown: 4 h 05 min
